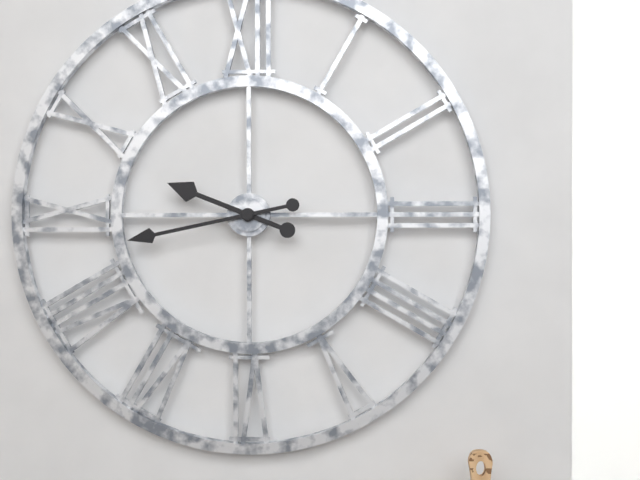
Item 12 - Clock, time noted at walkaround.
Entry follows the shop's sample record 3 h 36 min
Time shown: 9 h 43 min
